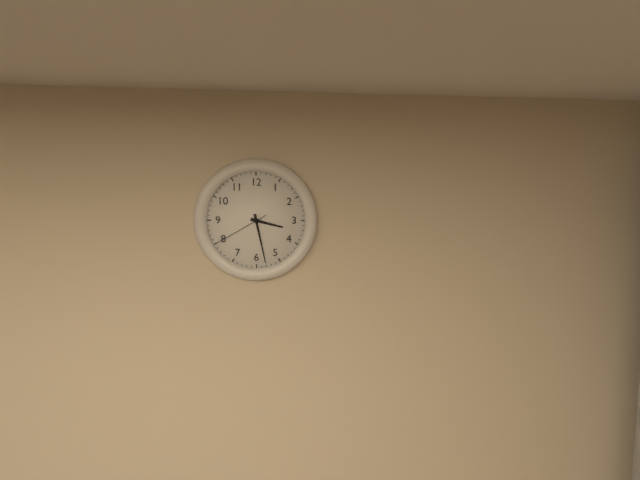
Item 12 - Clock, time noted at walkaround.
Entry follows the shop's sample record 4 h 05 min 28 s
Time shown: 3 h 28 min 40 s
